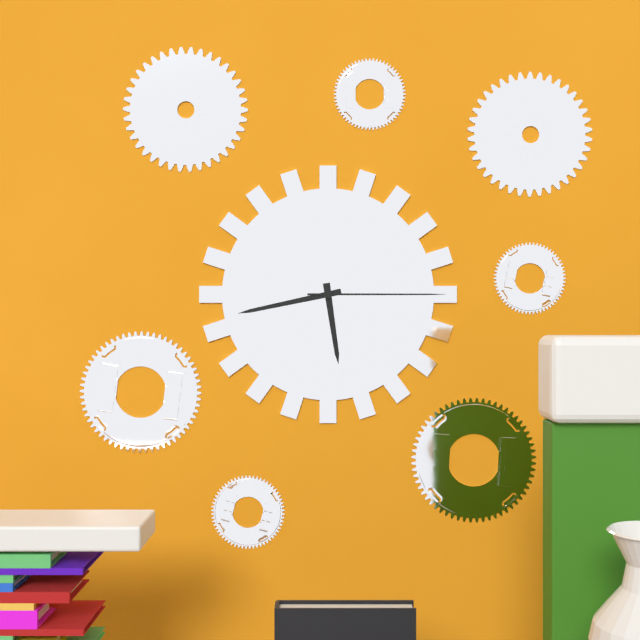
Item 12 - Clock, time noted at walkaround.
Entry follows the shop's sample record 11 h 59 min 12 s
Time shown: 5 h 43 min 15 s
